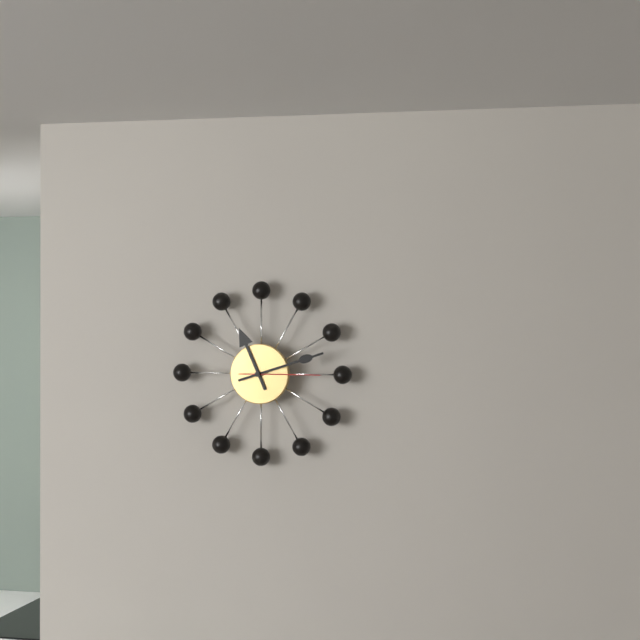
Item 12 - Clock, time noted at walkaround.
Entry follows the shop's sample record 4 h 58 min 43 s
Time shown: 11 h 12 min 15 s
